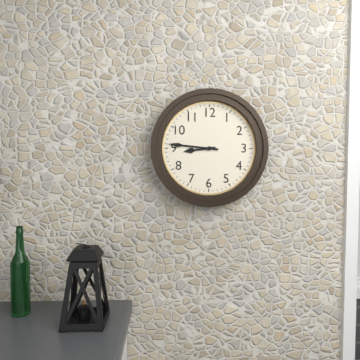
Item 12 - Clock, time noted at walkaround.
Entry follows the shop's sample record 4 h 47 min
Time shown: 8 h 46 min
